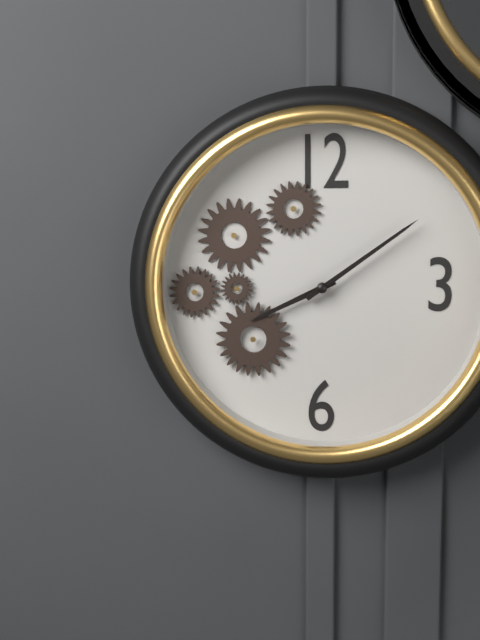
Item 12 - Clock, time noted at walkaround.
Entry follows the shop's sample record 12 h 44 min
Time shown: 8 h 09 min
